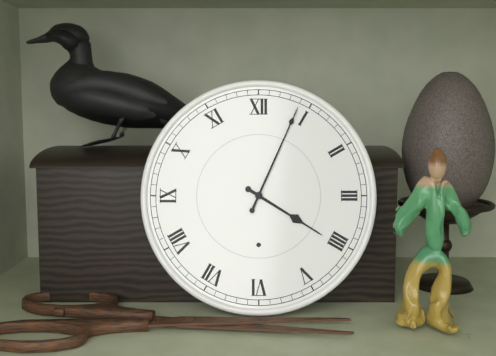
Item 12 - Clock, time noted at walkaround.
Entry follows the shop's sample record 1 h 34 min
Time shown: 4 h 04 min
